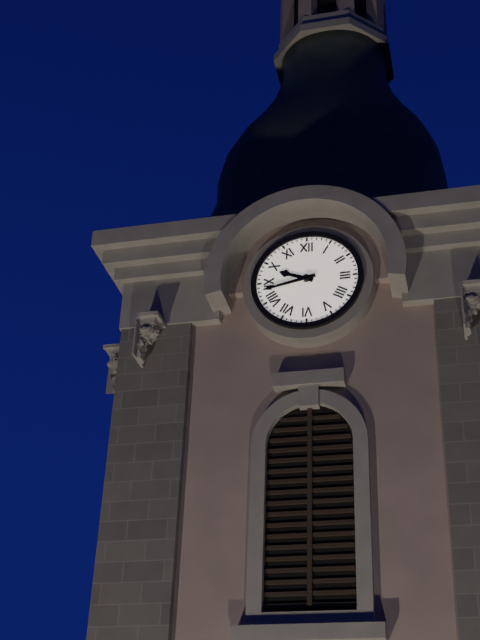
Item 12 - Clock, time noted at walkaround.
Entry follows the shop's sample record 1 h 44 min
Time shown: 9 h 43 min
